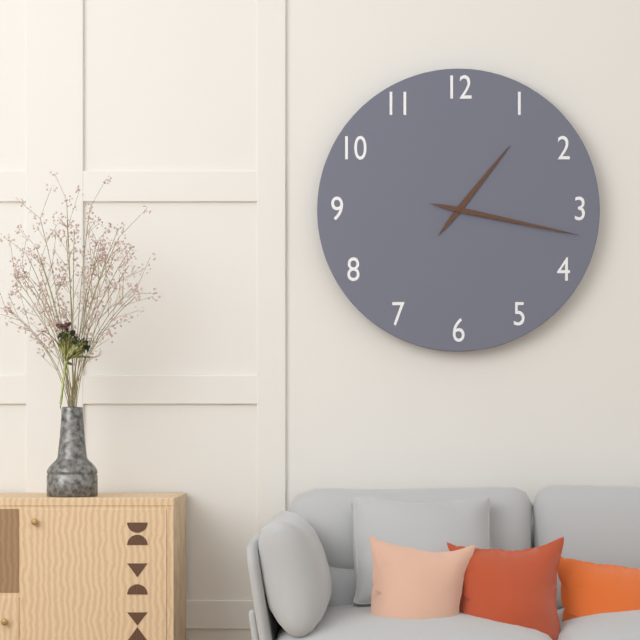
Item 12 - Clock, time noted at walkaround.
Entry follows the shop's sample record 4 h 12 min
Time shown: 1 h 17 min
